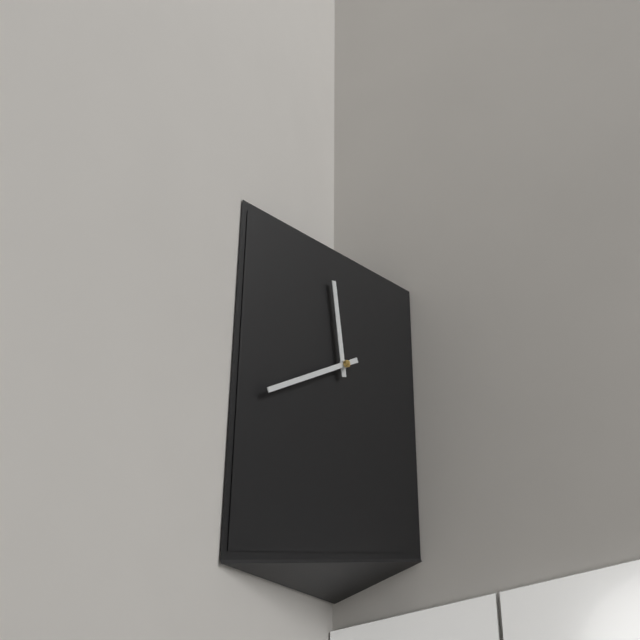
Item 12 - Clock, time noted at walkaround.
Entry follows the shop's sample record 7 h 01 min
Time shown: 11 h 41 min
